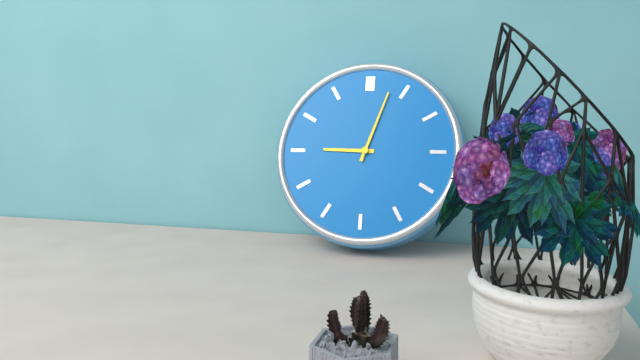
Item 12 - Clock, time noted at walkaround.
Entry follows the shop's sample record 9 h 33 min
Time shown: 9 h 03 min
